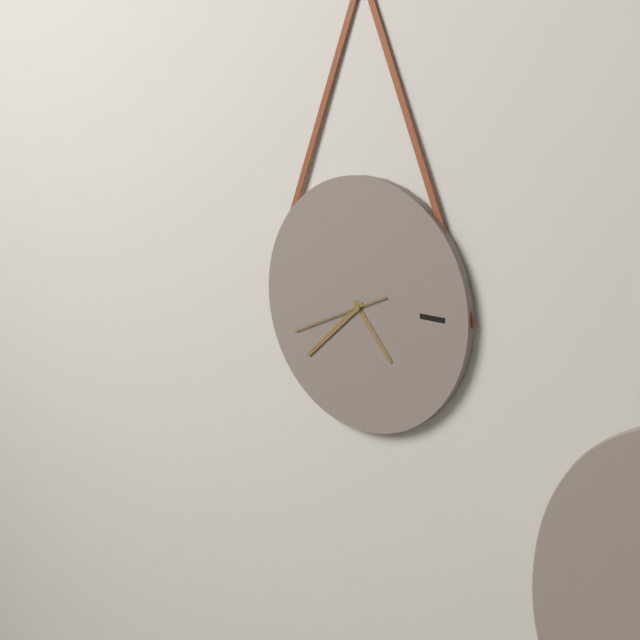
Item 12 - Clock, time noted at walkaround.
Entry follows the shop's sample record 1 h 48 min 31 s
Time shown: 4 h 38 min 41 s
